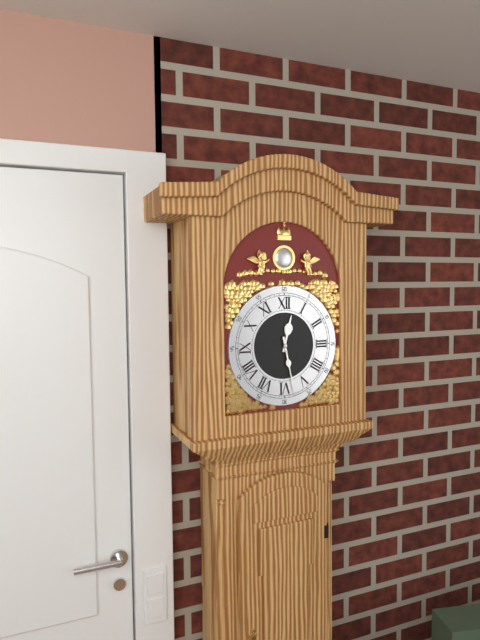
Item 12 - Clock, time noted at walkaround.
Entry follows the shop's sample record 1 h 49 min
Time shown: 12 h 28 min
